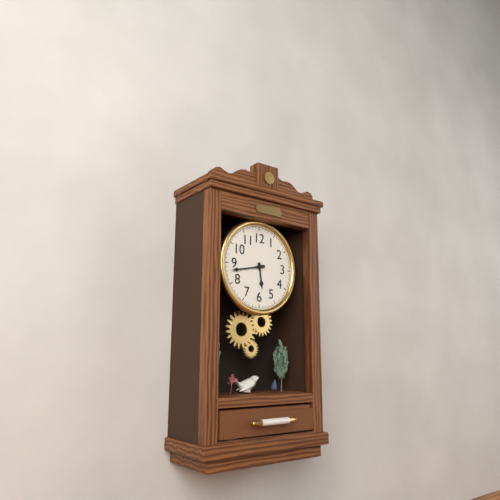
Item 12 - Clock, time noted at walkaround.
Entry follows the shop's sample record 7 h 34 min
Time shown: 5 h 43 min
